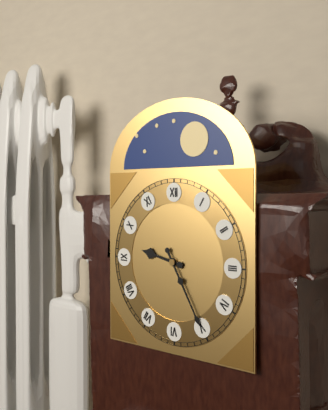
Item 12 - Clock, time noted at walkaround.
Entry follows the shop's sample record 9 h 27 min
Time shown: 9 h 25 min
